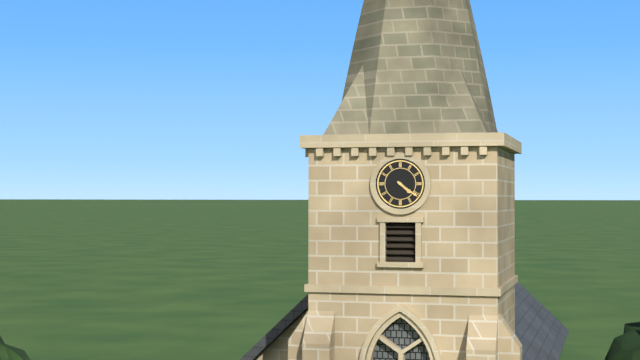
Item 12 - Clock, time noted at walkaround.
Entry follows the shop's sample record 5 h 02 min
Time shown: 4 h 21 min
